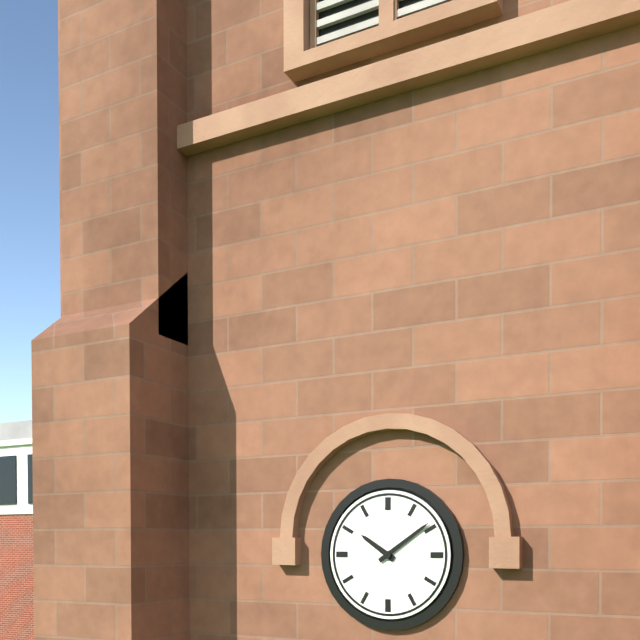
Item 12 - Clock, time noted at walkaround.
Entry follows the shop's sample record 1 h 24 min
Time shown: 10 h 09 min
